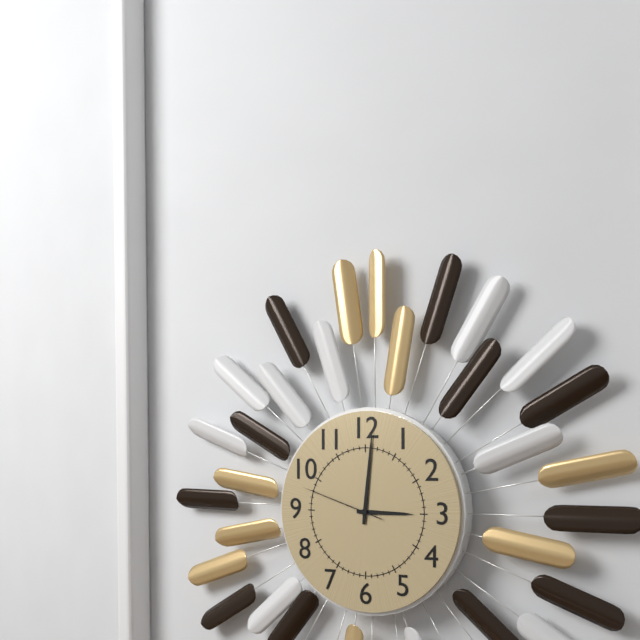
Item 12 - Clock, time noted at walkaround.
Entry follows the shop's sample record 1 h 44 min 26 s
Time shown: 3 h 01 min 48 s
